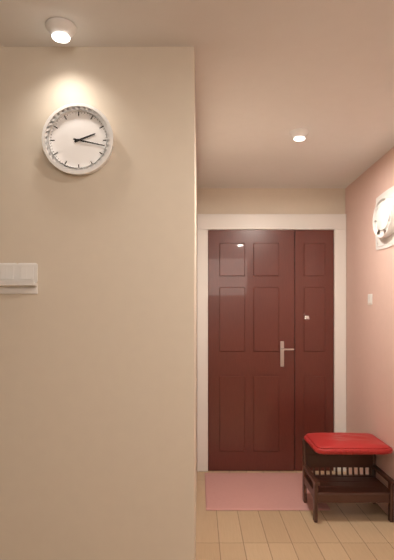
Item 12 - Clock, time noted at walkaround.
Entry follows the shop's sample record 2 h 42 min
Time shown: 2 h 17 min
